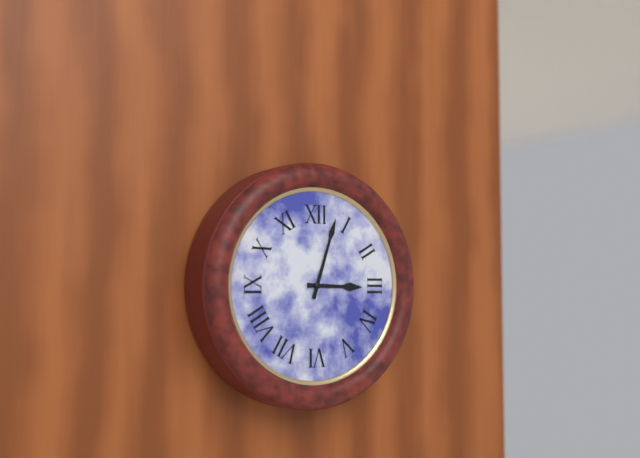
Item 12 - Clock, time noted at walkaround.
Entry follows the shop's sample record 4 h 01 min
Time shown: 3 h 03 min
